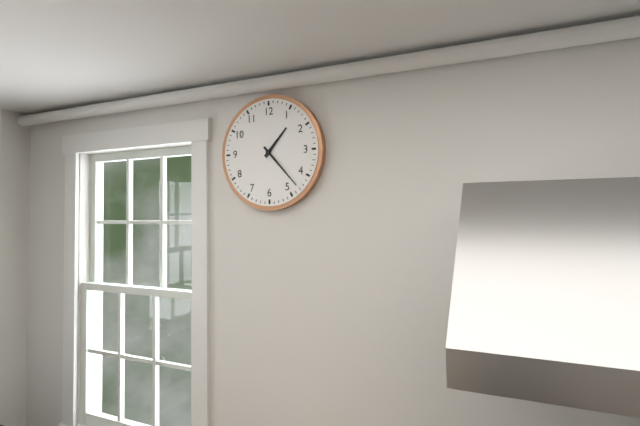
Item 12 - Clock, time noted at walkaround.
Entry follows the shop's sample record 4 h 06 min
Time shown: 1 h 23 min
